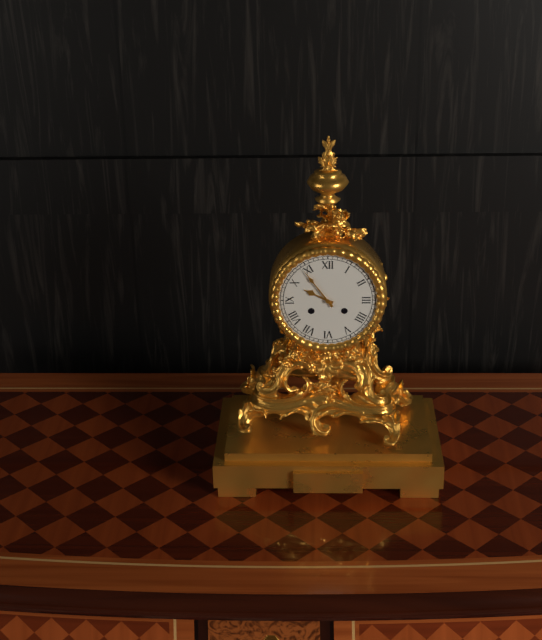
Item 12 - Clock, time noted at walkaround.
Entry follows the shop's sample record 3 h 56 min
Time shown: 9 h 54 min
